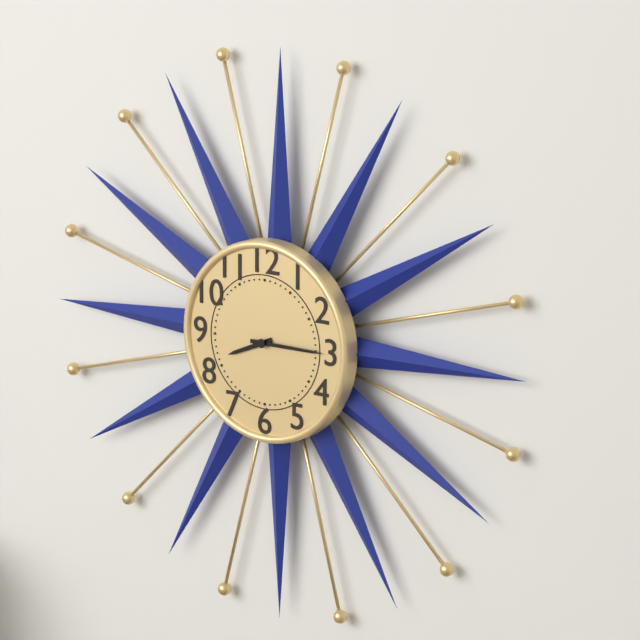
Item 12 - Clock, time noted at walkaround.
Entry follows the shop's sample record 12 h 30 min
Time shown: 8 h 15 min
